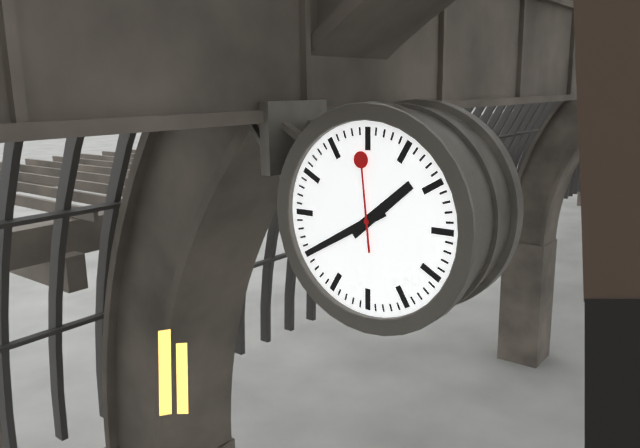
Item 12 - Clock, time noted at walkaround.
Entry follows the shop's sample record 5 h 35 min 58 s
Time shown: 1 h 40 min 59 s
